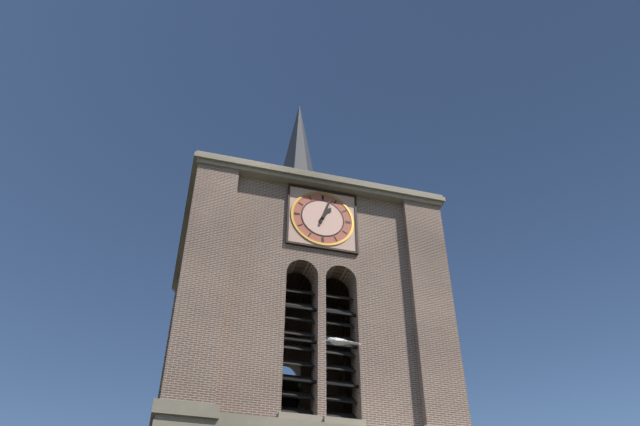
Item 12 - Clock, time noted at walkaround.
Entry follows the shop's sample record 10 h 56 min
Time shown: 1 h 03 min
